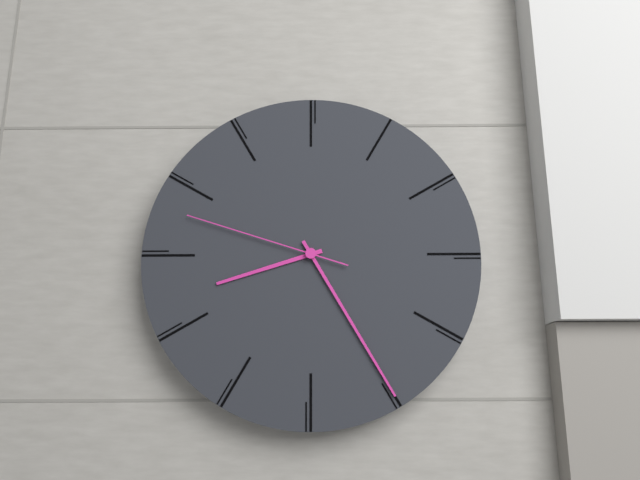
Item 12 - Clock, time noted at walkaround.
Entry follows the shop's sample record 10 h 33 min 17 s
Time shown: 8 h 25 min 48 s
